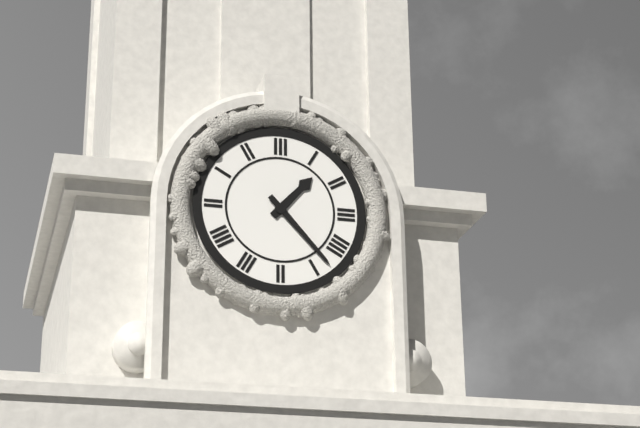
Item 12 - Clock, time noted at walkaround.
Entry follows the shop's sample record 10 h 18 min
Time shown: 1 h 23 min
